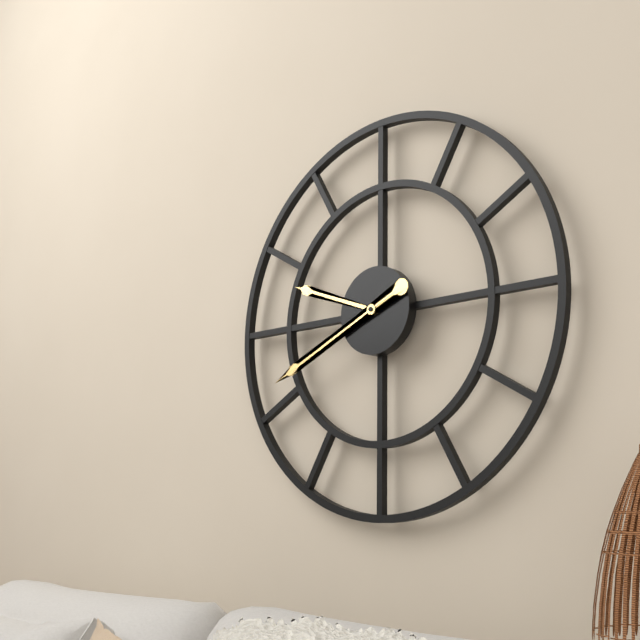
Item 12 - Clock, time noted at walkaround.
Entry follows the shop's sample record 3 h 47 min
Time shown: 9 h 41 min
